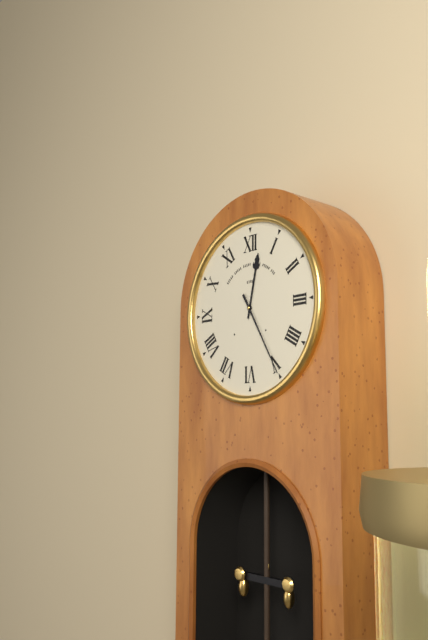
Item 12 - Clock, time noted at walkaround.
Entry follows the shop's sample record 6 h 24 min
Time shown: 12 h 25 min
